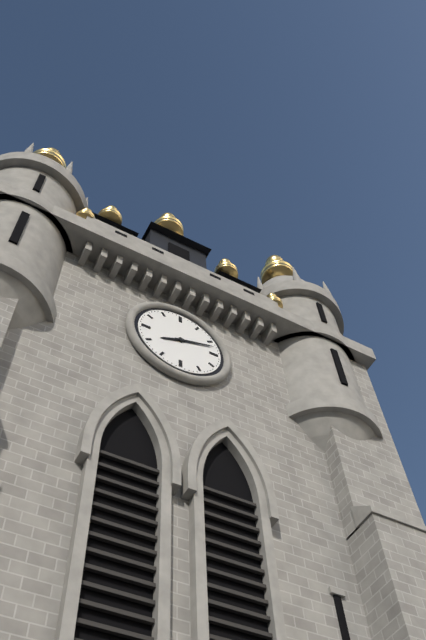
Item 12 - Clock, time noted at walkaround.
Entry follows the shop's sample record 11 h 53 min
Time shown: 8 h 12 min
